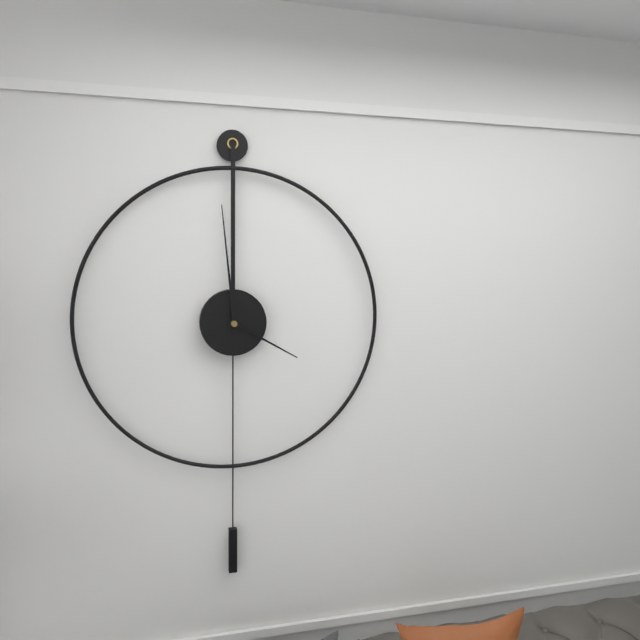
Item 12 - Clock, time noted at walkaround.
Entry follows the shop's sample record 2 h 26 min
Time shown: 3 h 59 min
